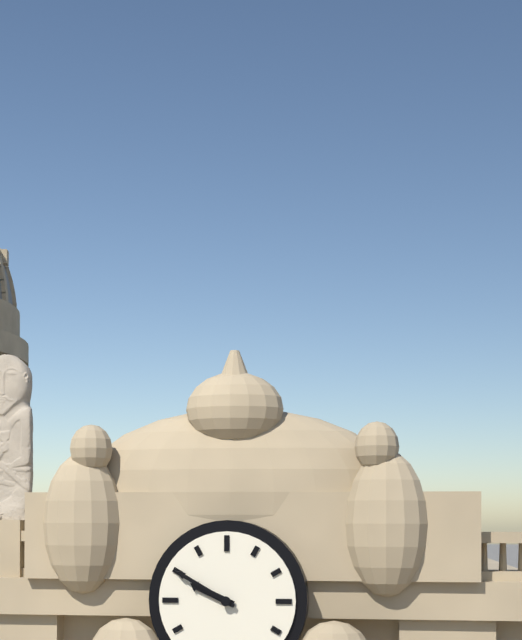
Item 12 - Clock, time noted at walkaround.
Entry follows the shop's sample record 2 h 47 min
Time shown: 9 h 50 min
